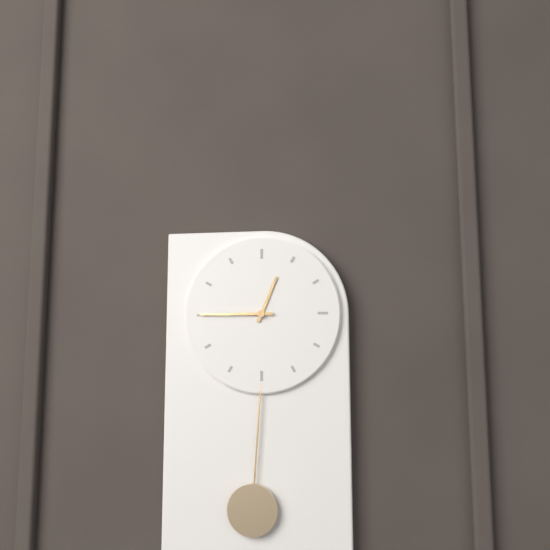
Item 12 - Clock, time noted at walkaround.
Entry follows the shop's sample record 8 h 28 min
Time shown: 12 h 45 min
